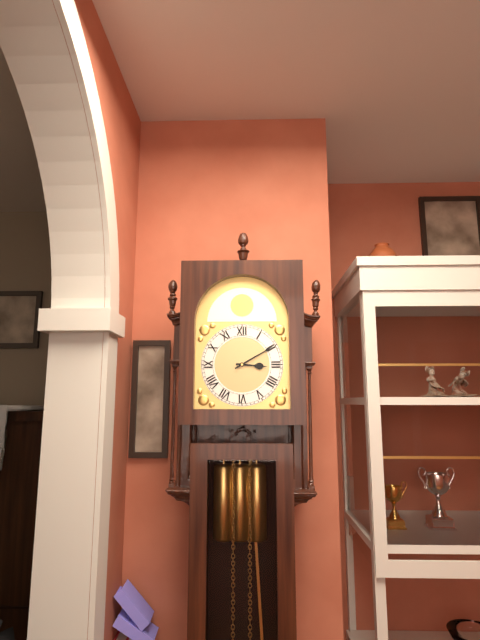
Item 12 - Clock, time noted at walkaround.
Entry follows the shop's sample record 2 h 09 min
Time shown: 3 h 10 min
